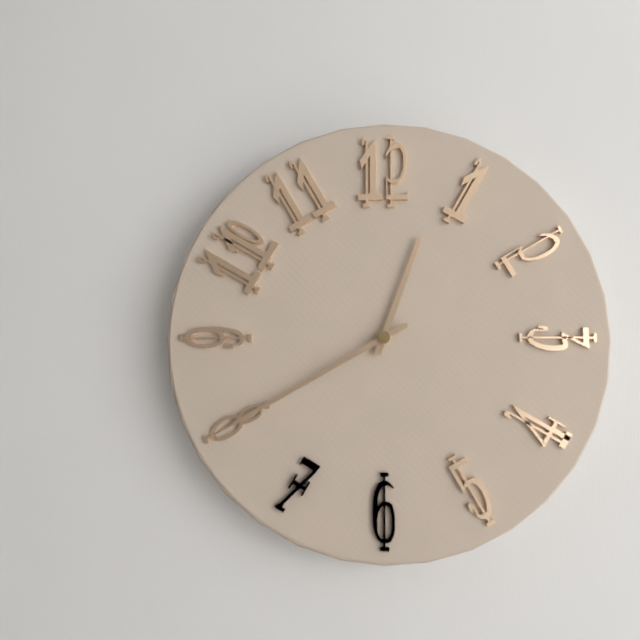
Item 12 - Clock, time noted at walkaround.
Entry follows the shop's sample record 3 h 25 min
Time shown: 12 h 40 min
